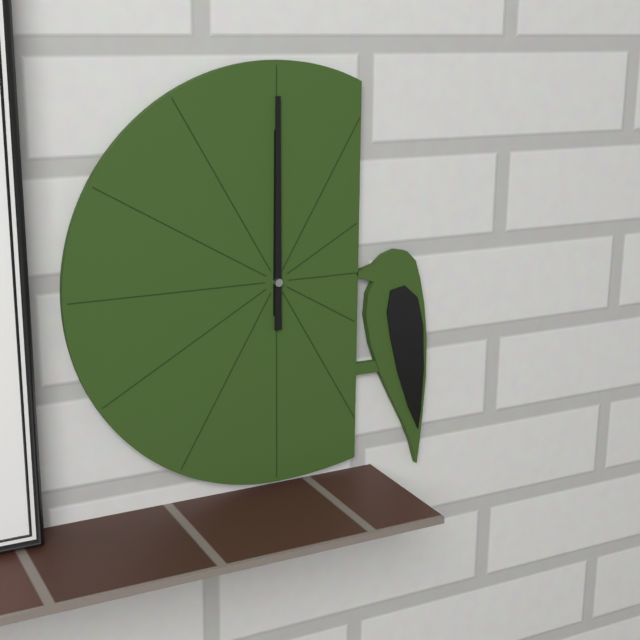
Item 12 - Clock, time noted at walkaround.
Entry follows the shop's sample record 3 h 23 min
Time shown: 12 h 00 min
